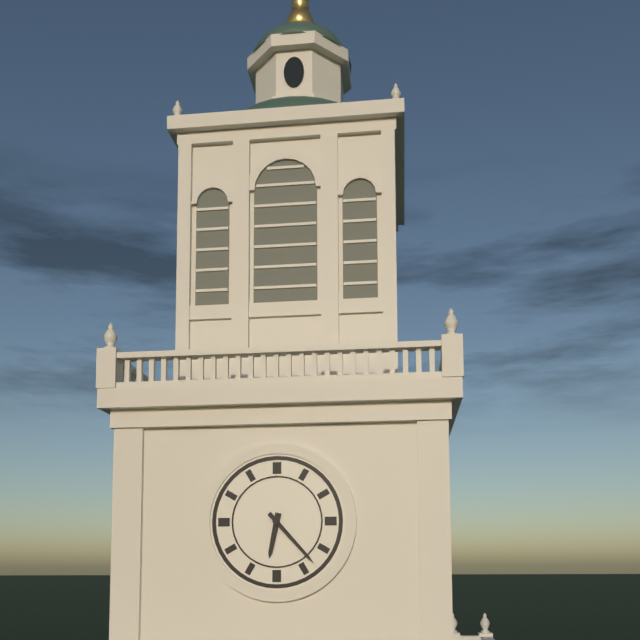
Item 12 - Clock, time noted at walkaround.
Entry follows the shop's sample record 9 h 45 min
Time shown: 6 h 23 min
